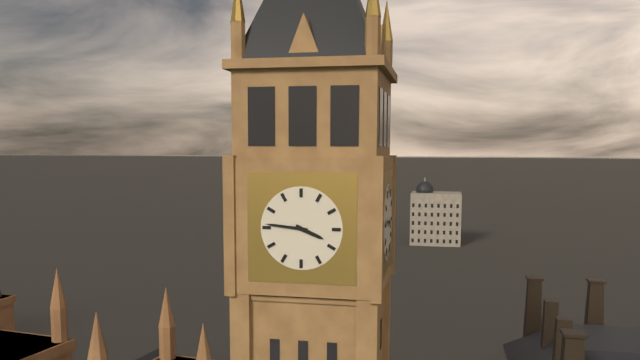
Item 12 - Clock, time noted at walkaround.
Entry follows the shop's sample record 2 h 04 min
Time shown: 3 h 46 min
